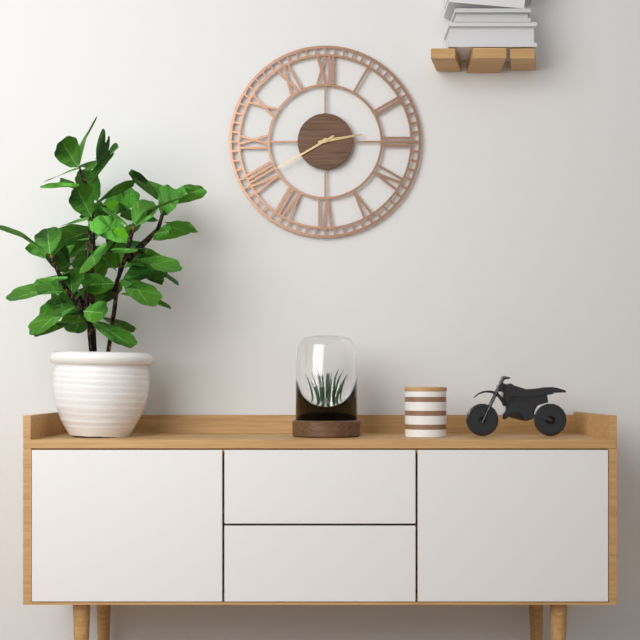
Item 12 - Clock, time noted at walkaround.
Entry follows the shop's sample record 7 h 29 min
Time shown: 2 h 40 min
